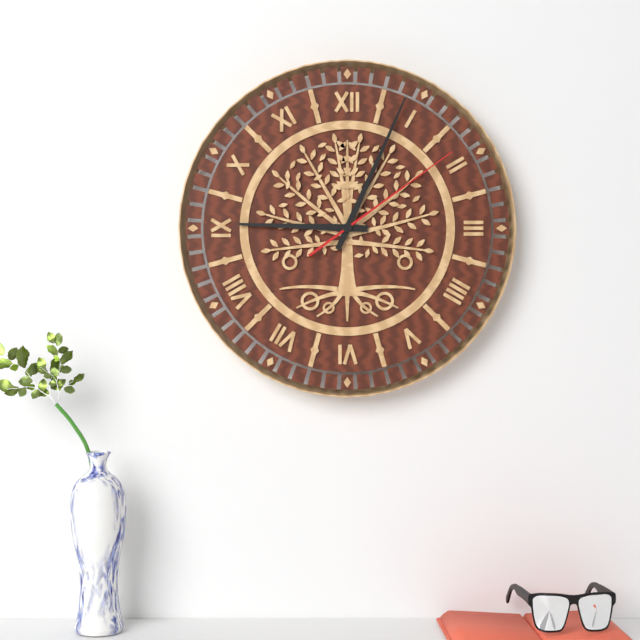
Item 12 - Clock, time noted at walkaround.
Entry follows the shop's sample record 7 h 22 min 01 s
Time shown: 9 h 04 min 09 s
